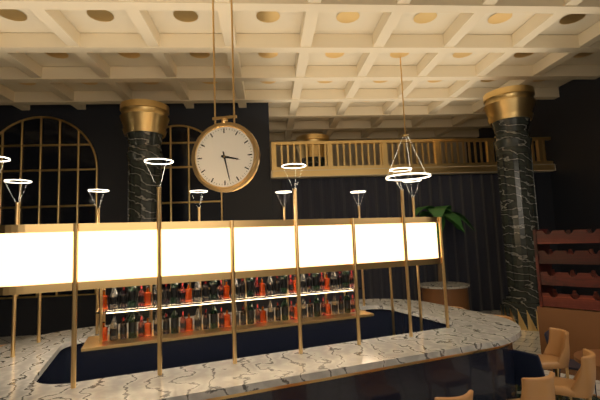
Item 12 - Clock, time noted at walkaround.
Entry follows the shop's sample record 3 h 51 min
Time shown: 3 h 28 min
